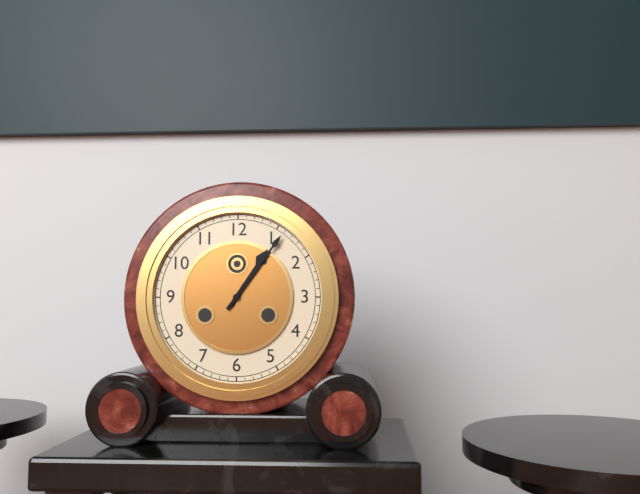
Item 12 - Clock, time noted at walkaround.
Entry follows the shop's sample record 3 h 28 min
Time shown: 1 h 06 min
